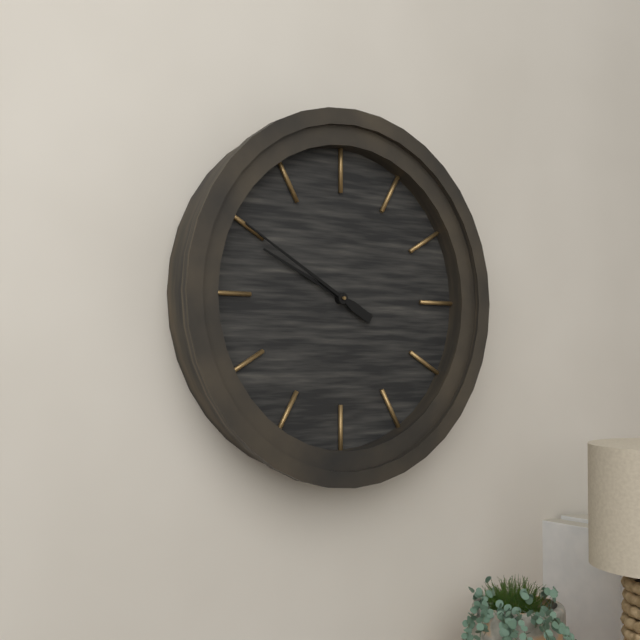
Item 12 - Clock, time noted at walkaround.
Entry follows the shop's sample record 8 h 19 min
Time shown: 9 h 50 min
